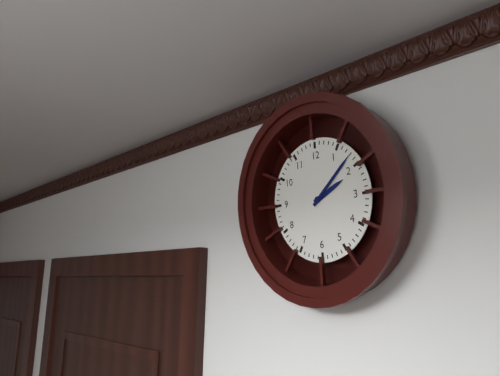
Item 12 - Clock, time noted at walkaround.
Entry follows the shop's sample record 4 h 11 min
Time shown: 2 h 08 min
